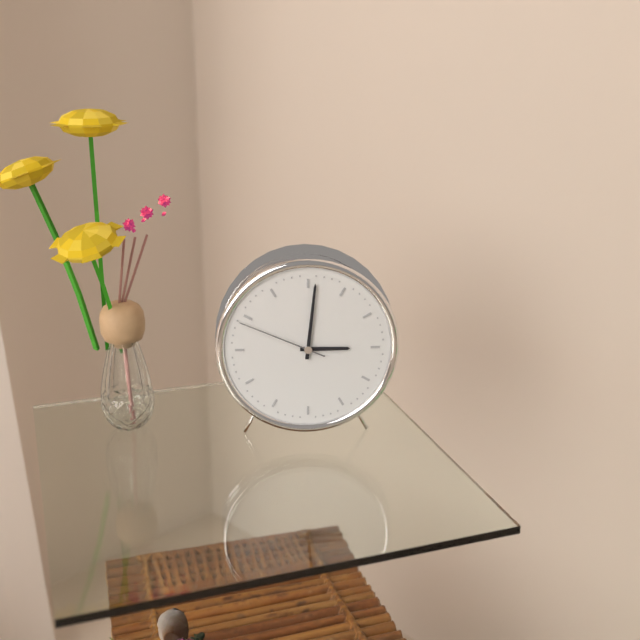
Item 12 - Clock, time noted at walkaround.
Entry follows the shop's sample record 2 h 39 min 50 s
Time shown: 3 h 01 min 49 s
